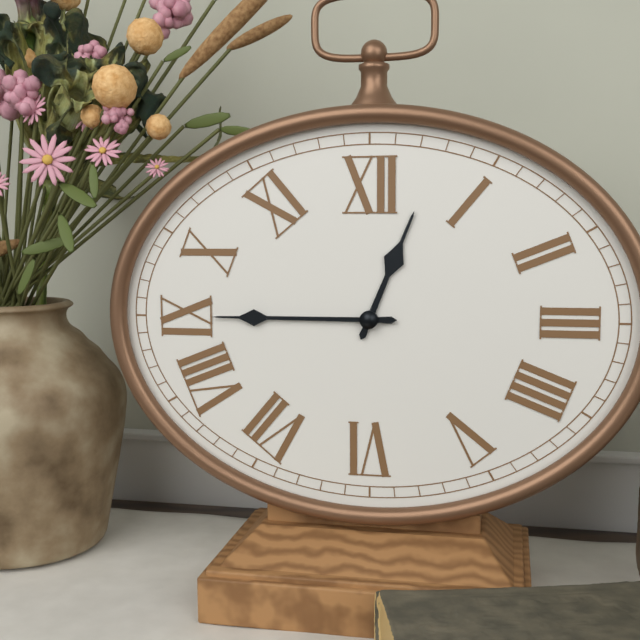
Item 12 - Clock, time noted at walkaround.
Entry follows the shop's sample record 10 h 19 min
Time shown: 12 h 45 min
